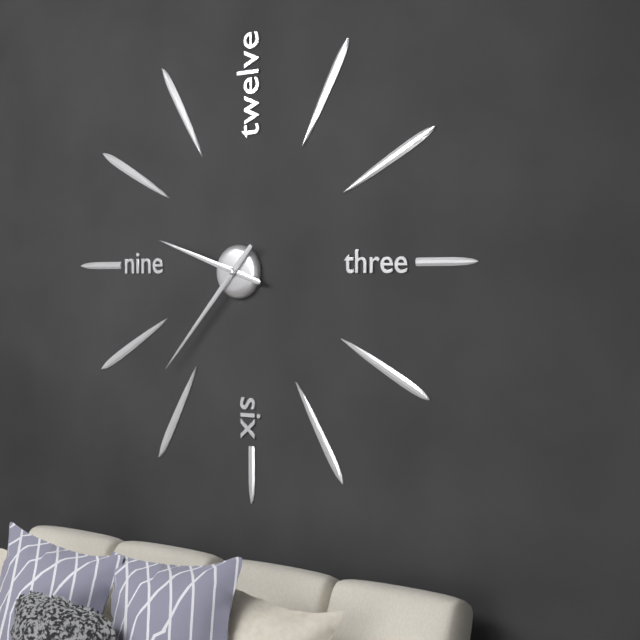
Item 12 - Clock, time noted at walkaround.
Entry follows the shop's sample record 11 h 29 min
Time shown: 9 h 37 min
